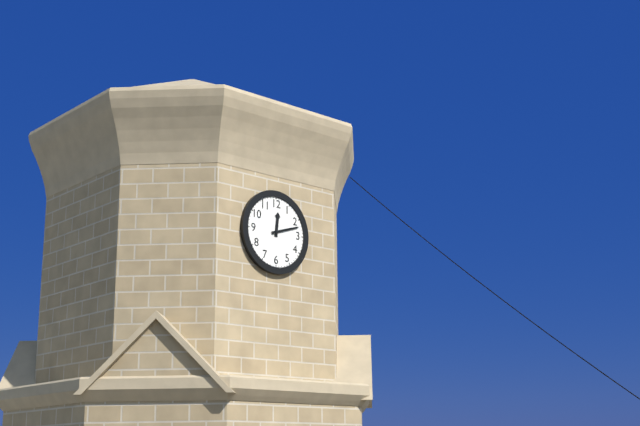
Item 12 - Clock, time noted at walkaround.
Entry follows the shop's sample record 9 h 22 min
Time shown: 12 h 12 min
